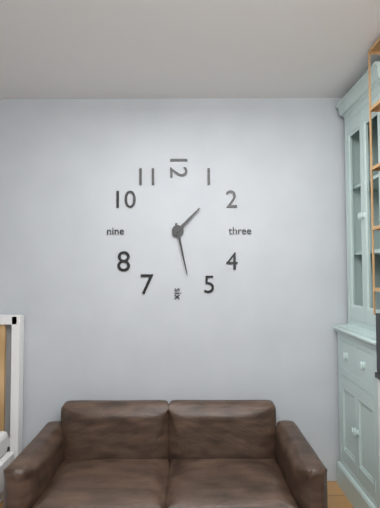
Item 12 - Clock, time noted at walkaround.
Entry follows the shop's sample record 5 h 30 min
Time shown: 1 h 28 min
